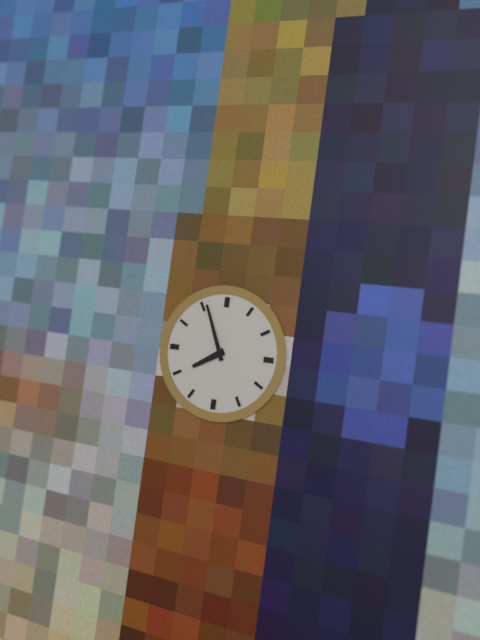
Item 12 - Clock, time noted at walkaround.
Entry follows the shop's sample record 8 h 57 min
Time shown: 7 h 56 min
